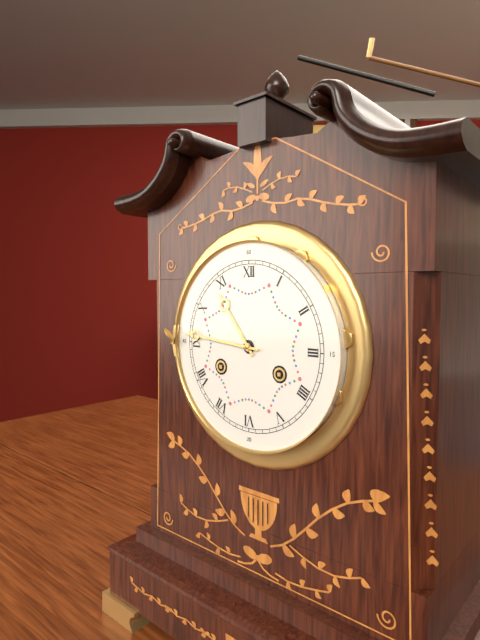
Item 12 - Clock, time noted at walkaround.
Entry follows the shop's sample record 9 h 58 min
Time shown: 10 h 46 min
